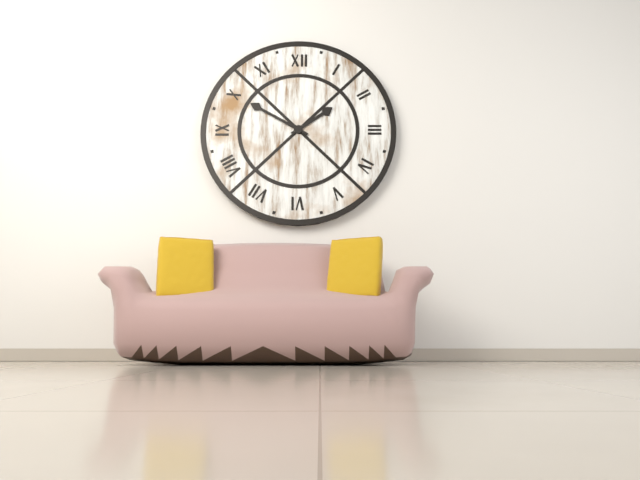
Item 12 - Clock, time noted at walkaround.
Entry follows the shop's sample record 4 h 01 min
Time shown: 1 h 50 min
